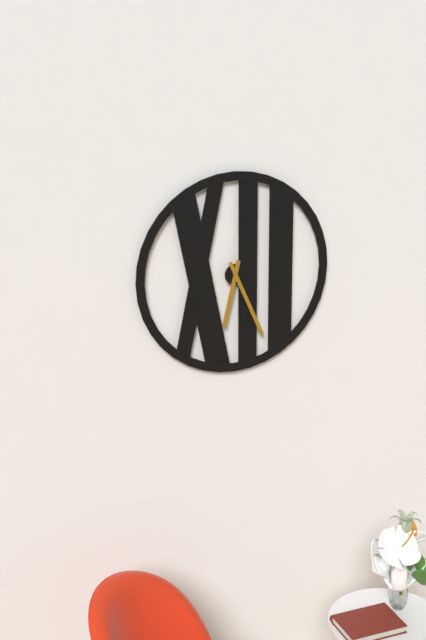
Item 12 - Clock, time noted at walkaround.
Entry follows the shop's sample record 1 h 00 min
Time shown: 6 h 26 min
